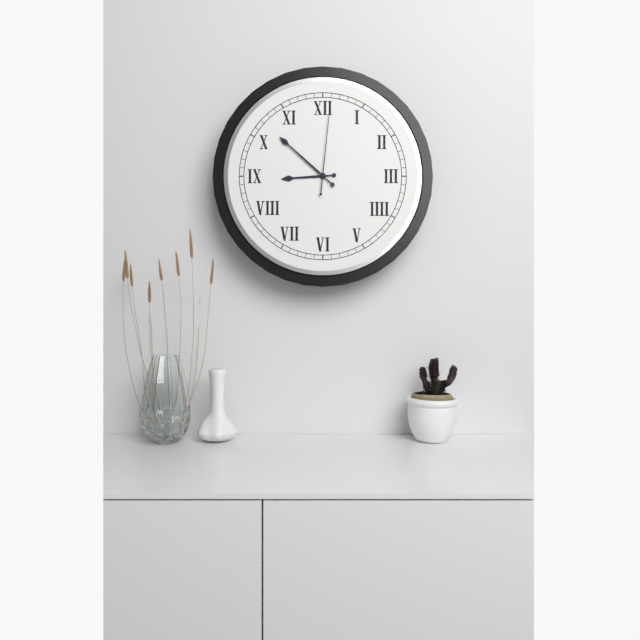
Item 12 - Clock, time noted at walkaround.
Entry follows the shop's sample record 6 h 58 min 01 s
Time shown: 8 h 52 min 01 s
